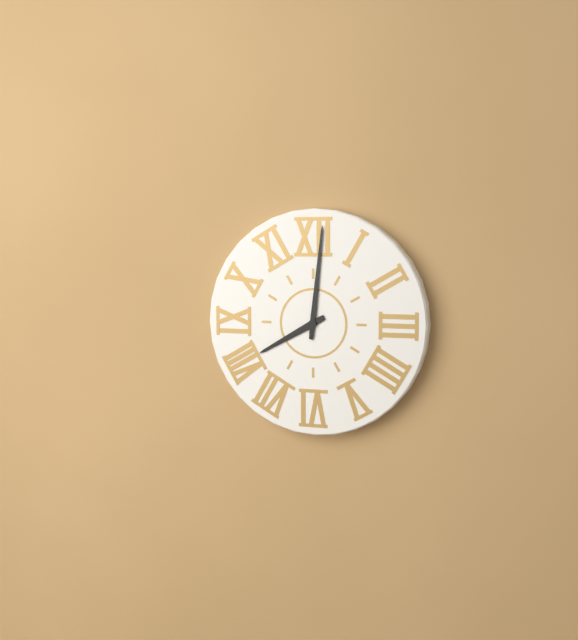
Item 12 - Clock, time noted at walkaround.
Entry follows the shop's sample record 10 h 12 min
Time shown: 8 h 01 min
